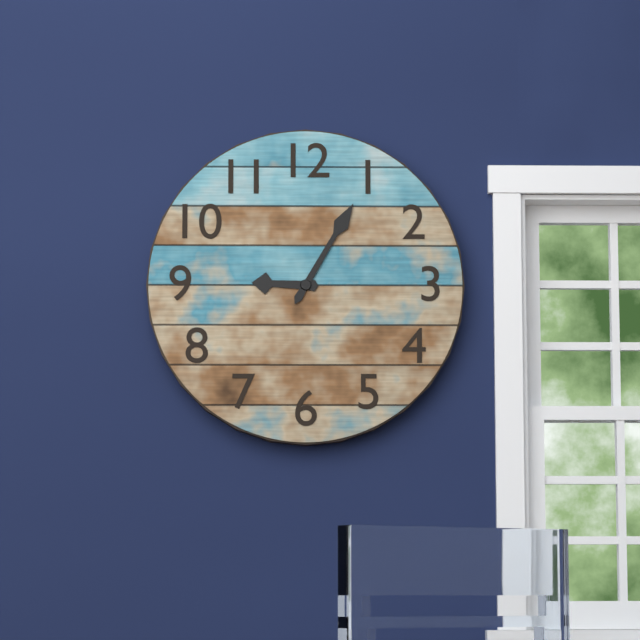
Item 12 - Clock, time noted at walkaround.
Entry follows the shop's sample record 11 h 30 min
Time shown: 9 h 05 min
